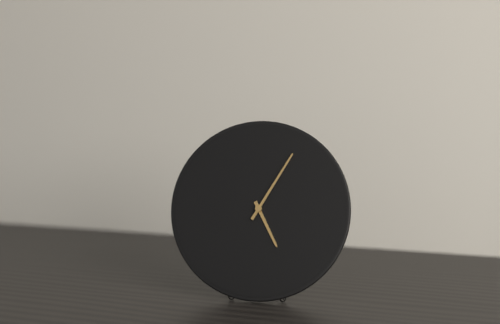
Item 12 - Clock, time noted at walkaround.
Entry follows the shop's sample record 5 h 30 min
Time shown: 5 h 05 min
